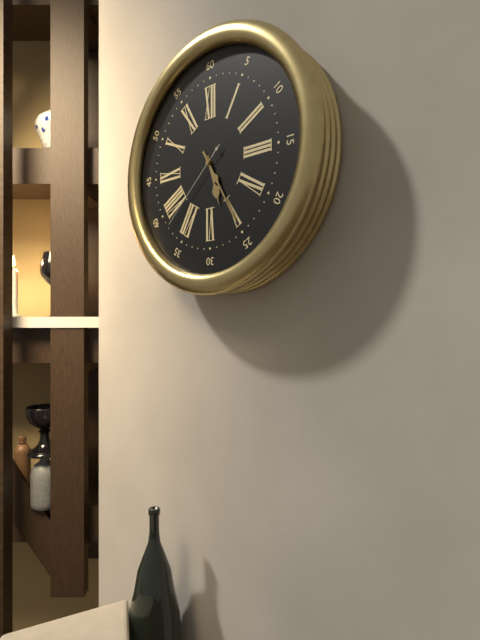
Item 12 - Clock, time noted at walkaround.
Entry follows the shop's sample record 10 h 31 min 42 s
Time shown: 5 h 25 min 38 s
